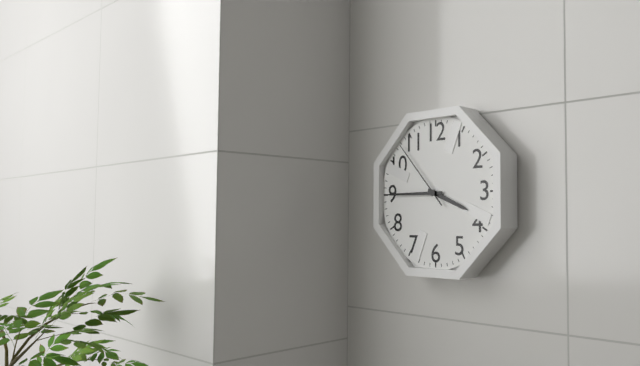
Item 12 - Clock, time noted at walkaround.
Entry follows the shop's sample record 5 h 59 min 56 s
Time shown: 3 h 45 min 53 s
